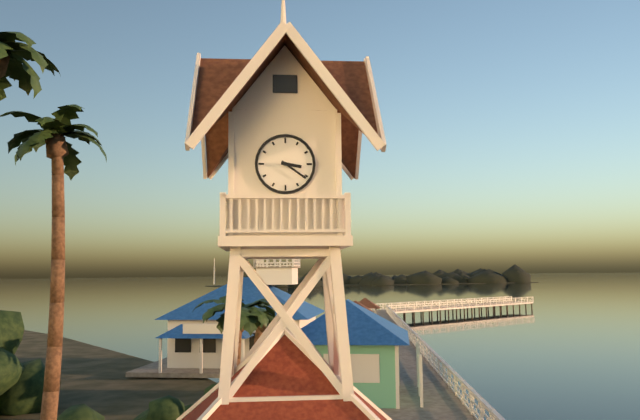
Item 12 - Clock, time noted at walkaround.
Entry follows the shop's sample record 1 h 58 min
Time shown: 3 h 21 min
